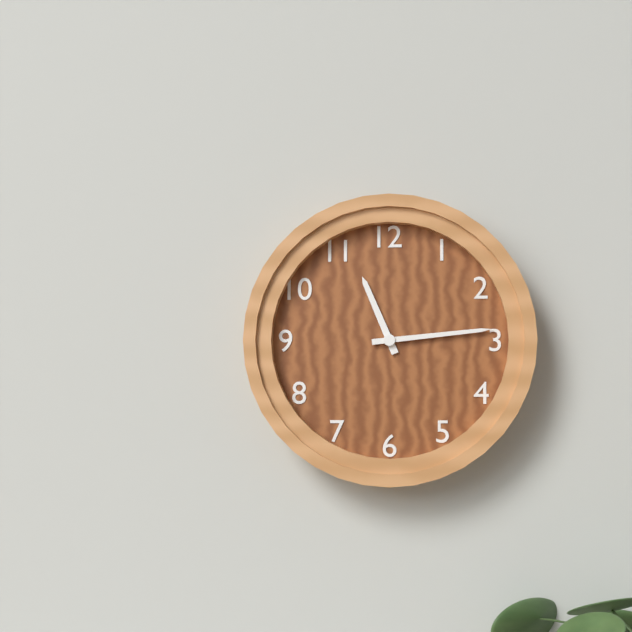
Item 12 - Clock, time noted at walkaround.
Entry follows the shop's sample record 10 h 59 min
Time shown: 11 h 14 min
